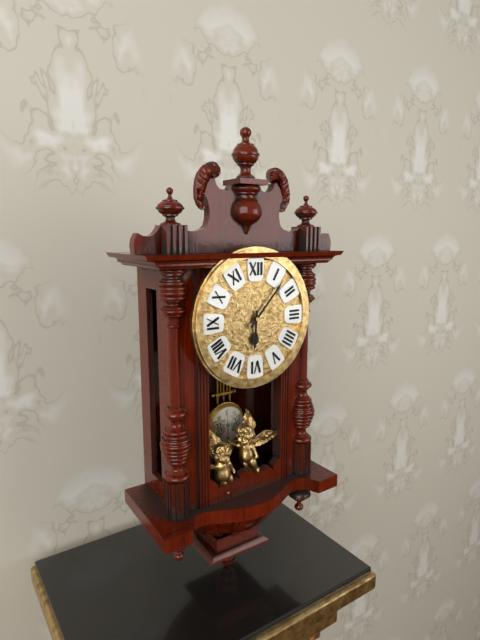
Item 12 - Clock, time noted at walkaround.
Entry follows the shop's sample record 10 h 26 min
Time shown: 6 h 07 min
